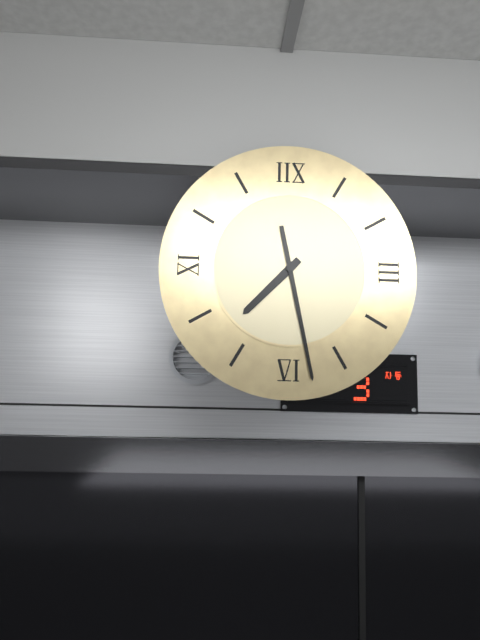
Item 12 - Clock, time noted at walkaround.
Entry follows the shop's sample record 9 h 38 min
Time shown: 7 h 28 min
